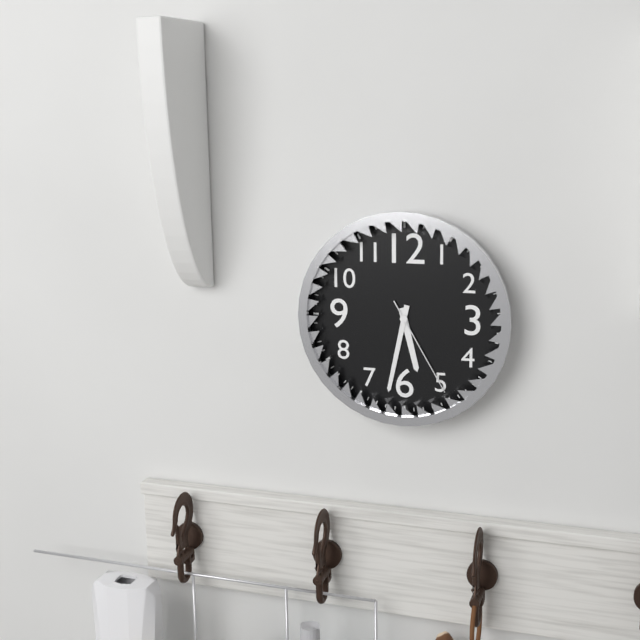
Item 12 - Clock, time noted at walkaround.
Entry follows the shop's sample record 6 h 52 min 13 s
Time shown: 5 h 32 min 25 s
